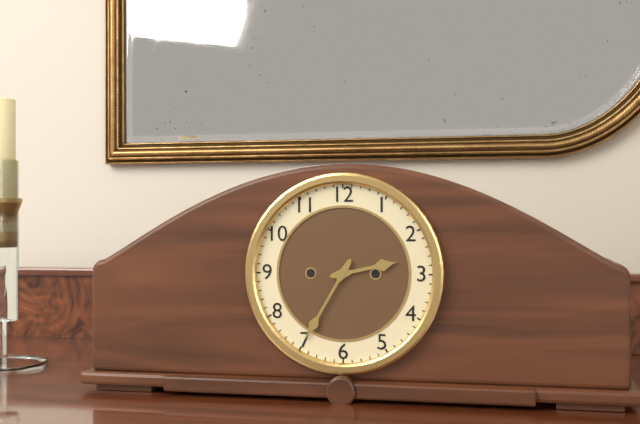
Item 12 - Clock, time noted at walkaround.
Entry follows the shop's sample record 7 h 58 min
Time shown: 2 h 35 min
